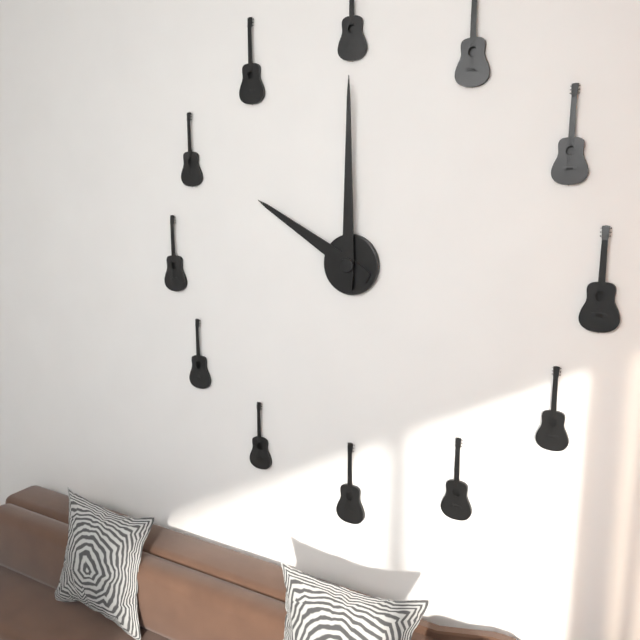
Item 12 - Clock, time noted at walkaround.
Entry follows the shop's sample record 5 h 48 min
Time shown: 10 h 00 min
